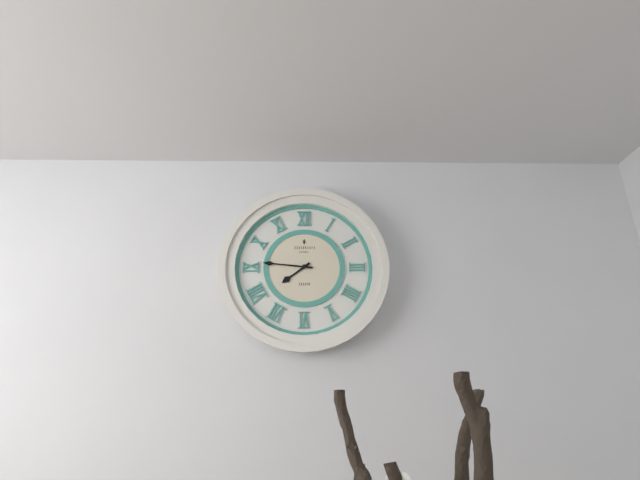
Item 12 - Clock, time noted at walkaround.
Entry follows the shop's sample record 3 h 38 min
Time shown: 7 h 46 min
